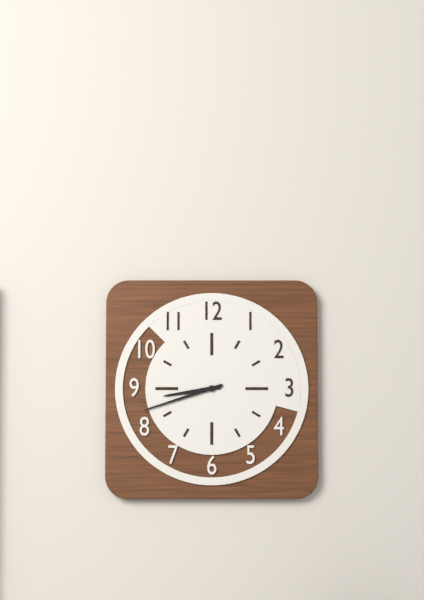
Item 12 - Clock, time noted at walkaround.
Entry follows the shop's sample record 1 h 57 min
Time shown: 8 h 42 min
